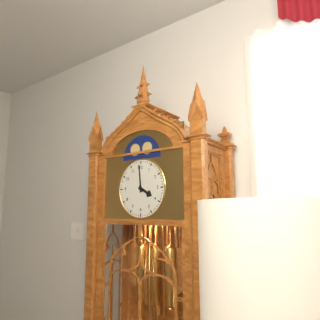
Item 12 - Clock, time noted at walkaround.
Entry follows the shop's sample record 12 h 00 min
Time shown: 3 h 59 min
